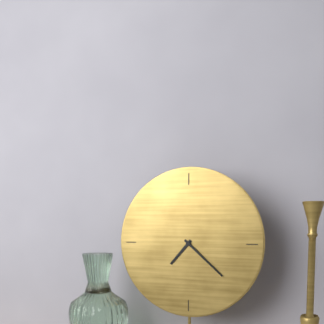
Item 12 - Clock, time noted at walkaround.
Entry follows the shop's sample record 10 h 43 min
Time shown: 7 h 22 min
